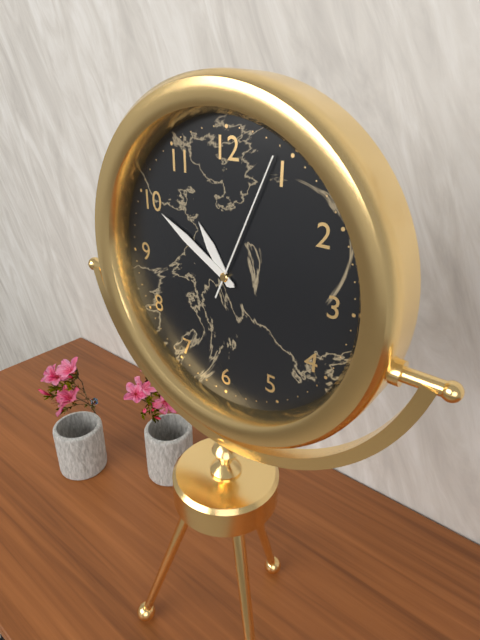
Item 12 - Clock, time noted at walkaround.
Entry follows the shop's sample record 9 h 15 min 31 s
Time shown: 10 h 50 min 04 s
